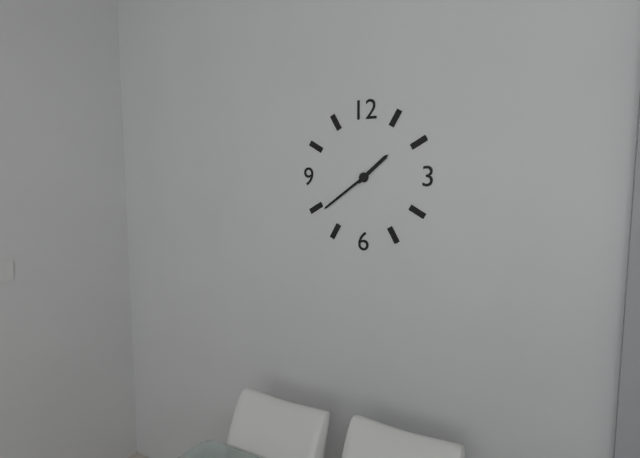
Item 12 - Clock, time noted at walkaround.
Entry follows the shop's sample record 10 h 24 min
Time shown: 1 h 39 min
